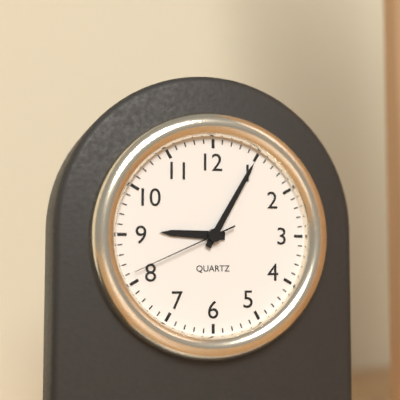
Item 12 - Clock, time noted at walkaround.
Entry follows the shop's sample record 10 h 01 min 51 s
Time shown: 9 h 05 min 41 s
